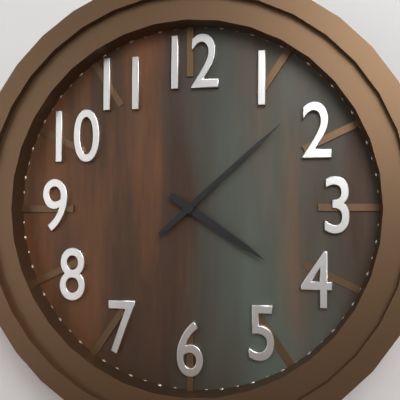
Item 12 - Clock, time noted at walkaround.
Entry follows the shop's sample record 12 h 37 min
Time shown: 4 h 08 min
